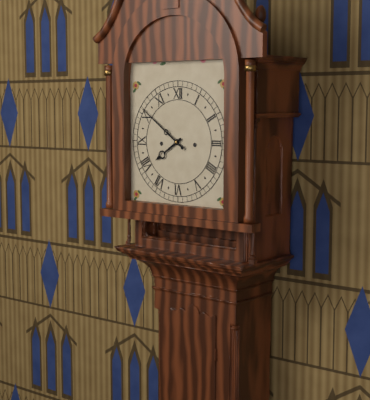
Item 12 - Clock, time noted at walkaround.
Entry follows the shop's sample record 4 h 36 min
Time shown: 7 h 51 min
